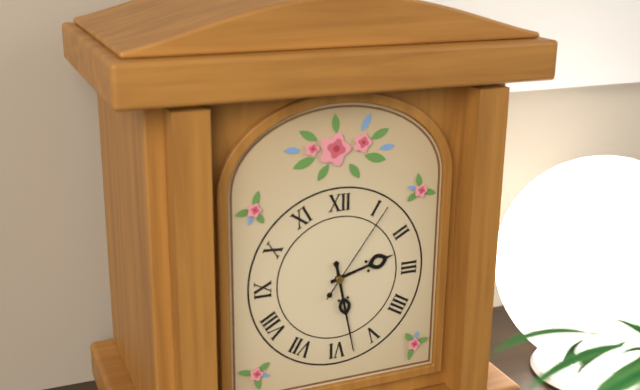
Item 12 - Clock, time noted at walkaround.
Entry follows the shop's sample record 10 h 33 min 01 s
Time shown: 2 h 28 min 06 s
